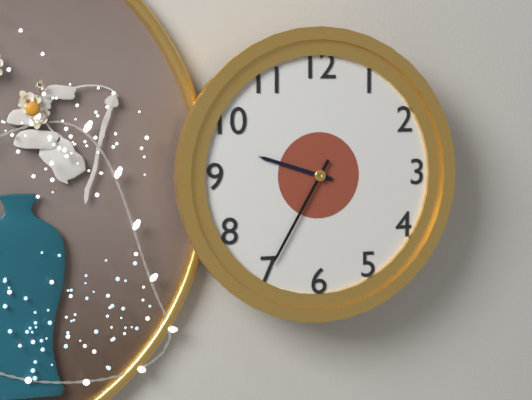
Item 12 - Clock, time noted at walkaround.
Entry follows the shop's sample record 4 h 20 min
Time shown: 9 h 35 min
